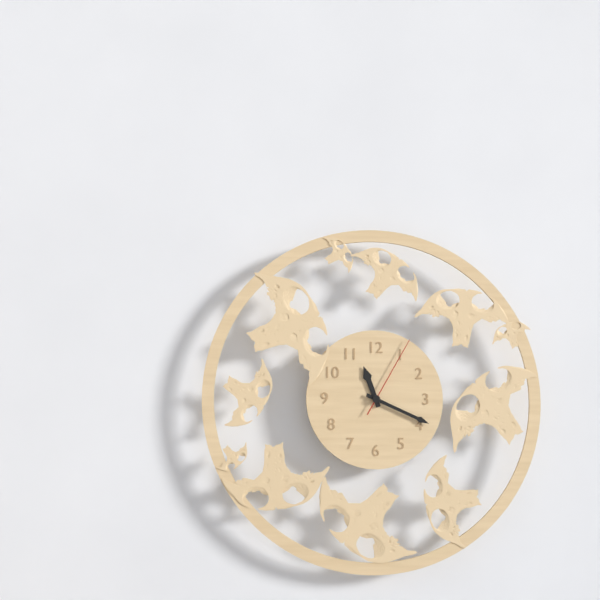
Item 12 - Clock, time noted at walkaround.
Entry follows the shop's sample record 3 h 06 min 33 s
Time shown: 11 h 19 min 05 s
